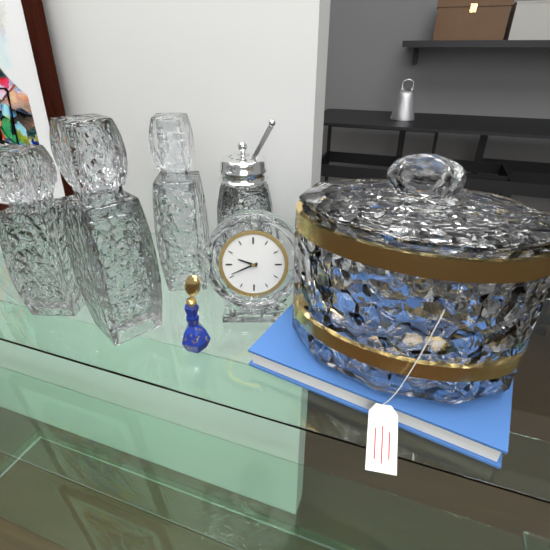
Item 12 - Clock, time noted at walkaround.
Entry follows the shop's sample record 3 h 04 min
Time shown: 9 h 41 min
